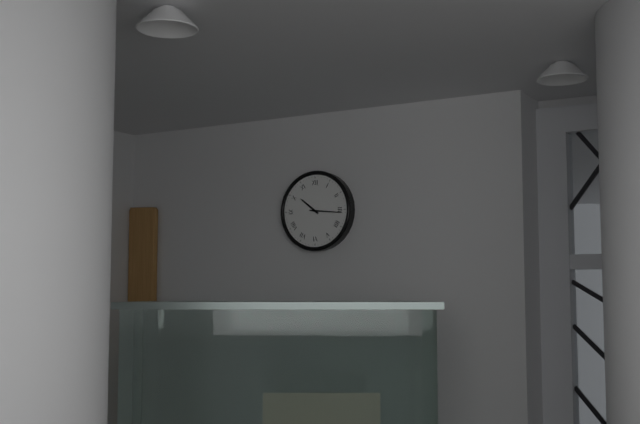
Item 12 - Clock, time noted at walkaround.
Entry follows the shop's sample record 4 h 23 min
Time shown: 10 h 16 min
